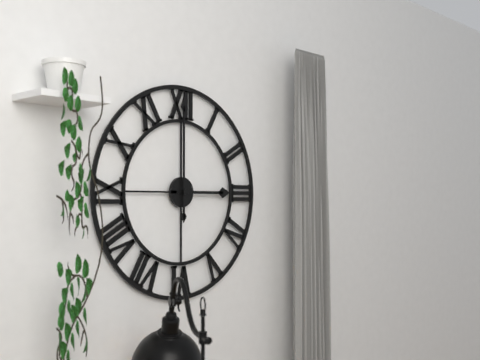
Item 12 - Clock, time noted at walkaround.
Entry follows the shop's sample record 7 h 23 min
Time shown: 3 h 00 min
